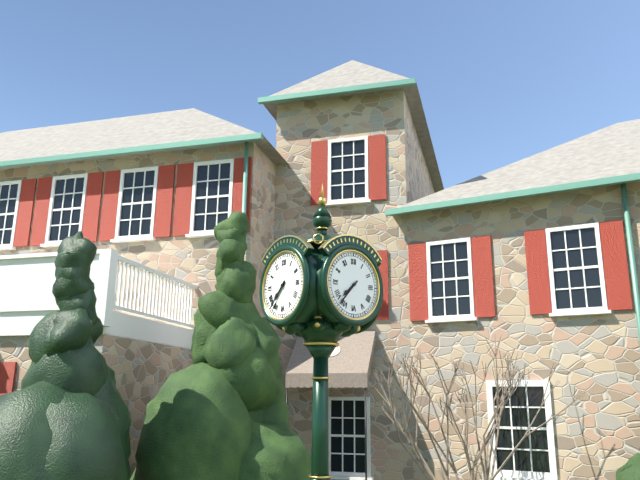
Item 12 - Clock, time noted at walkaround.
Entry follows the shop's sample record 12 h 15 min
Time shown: 7 h 37 min
